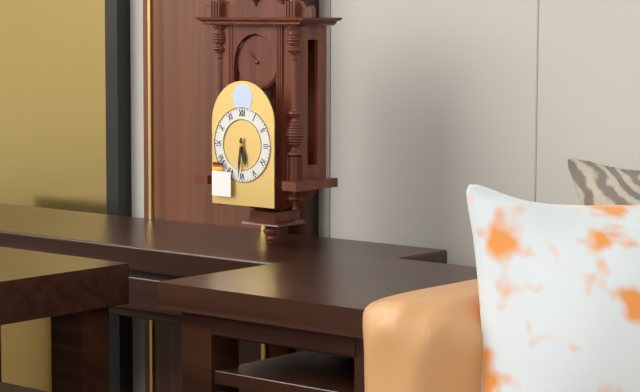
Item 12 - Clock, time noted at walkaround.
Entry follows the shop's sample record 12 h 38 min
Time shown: 5 h 31 min
